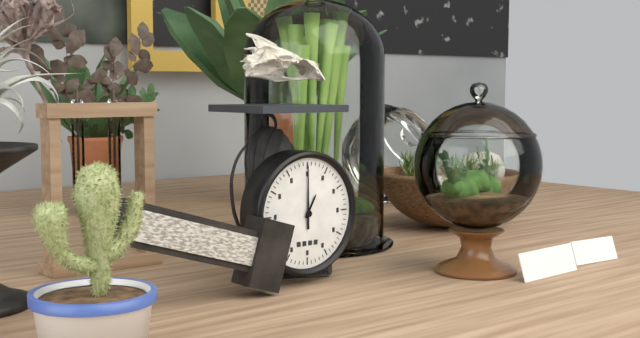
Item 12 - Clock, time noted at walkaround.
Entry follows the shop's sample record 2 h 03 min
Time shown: 1 h 00 min
